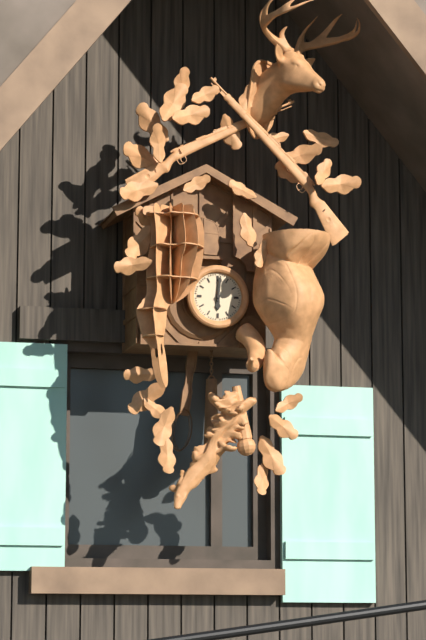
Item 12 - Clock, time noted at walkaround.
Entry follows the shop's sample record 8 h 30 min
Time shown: 6 h 01 min
